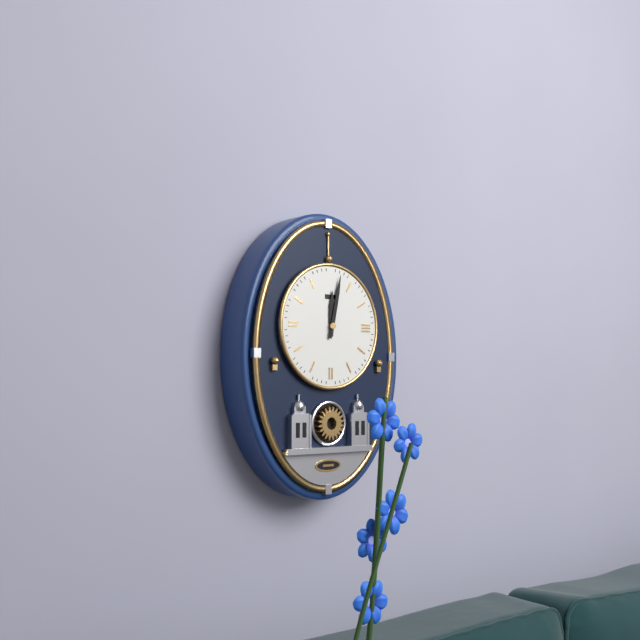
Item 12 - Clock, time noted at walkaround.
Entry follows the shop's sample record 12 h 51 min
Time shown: 12 h 02 min
